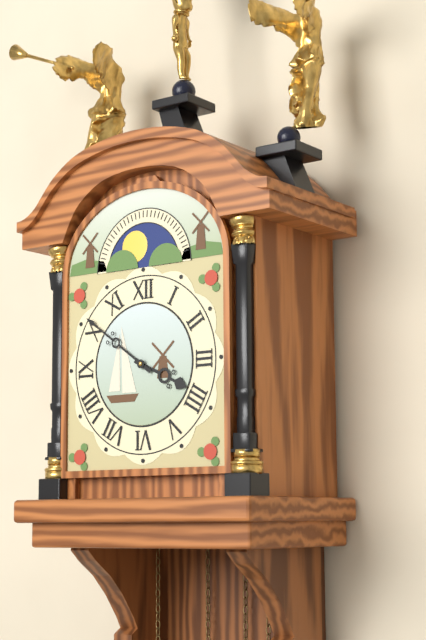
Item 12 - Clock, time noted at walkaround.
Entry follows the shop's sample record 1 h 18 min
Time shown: 3 h 51 min
